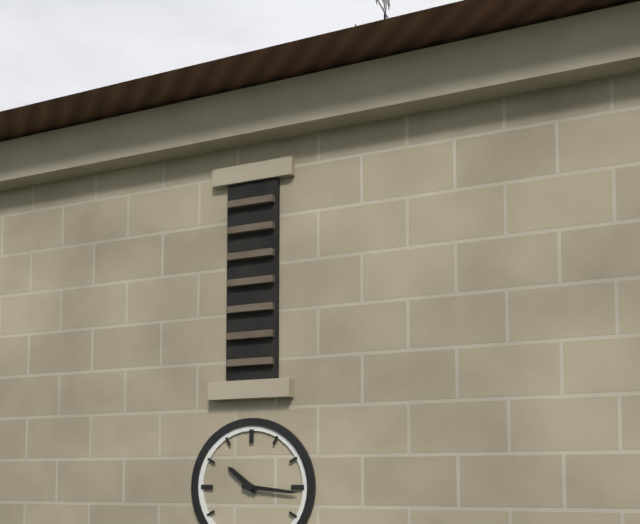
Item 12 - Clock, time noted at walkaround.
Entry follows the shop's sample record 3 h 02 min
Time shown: 10 h 16 min
